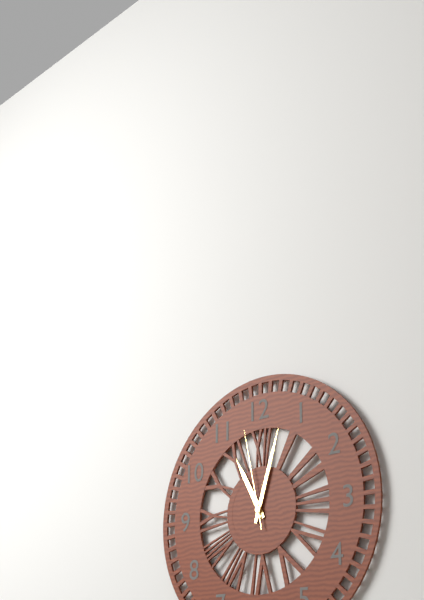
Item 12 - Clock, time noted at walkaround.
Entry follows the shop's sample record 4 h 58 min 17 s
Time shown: 11 h 03 min 58 s
